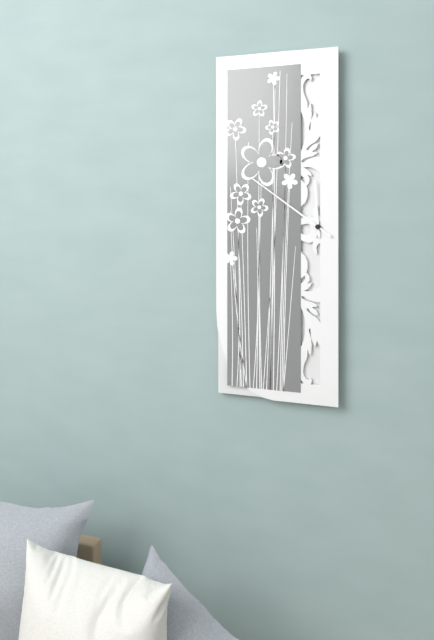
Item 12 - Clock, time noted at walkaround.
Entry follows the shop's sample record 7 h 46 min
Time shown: 11 h 51 min
